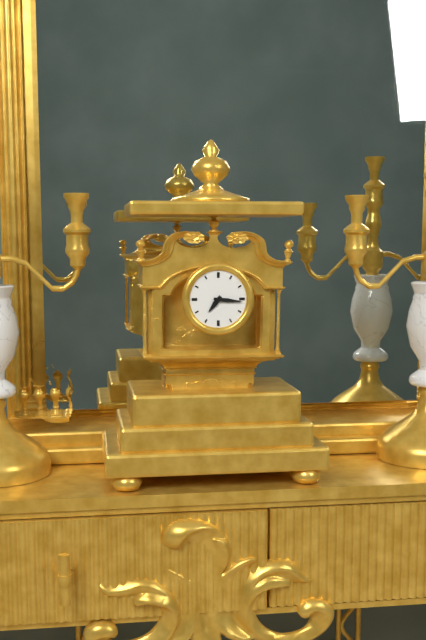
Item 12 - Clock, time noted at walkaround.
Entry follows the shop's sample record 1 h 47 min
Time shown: 7 h 16 min
